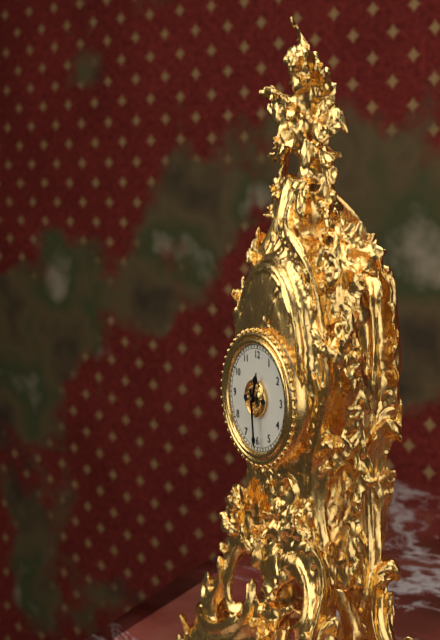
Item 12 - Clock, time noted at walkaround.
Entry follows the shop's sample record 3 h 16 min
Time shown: 12 h 29 min
